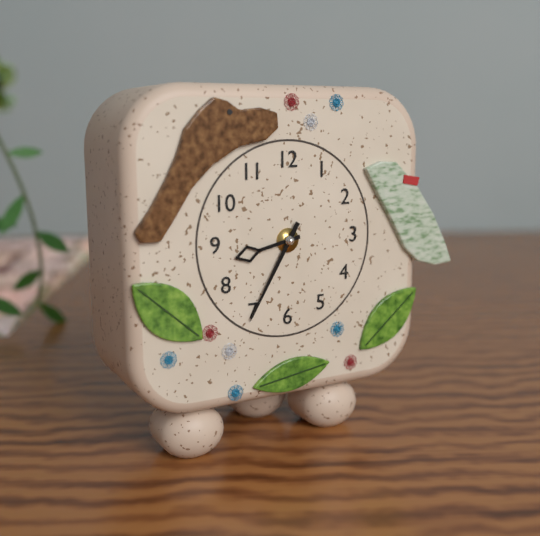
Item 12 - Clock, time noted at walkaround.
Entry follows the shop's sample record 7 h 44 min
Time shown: 8 h 35 min
